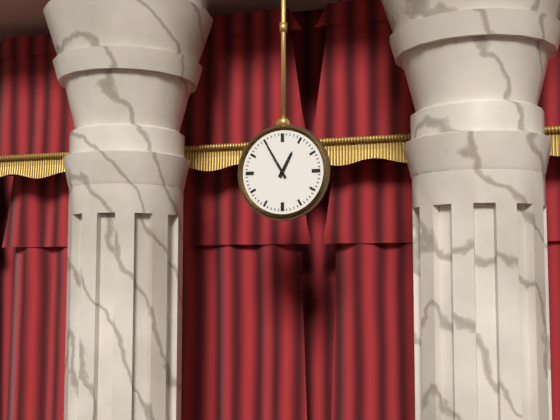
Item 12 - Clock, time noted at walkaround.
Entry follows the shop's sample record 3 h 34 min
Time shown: 12 h 55 min
